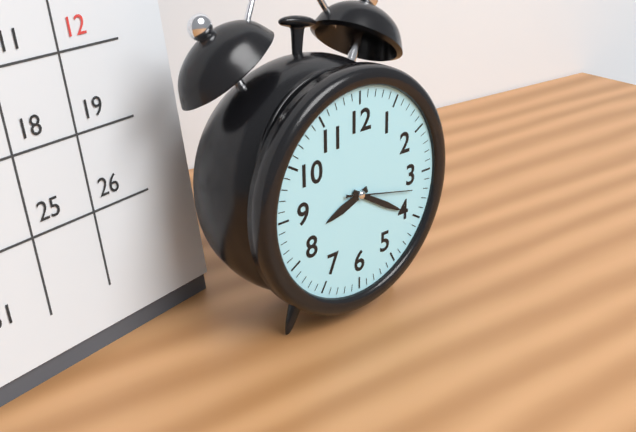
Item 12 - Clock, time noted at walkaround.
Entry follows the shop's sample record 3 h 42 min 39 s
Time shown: 8 h 20 min 17 s
